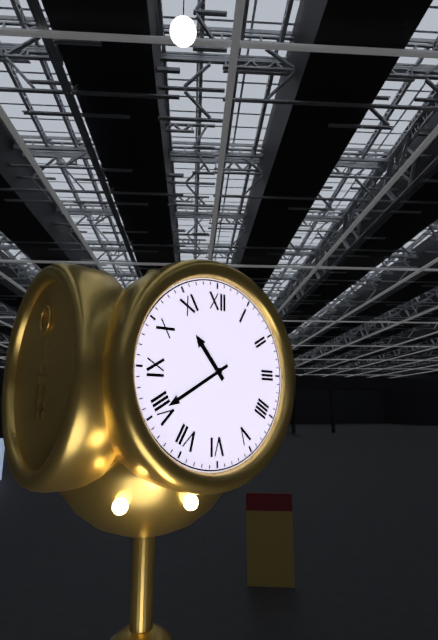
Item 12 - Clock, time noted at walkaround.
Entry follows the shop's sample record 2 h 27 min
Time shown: 10 h 40 min
